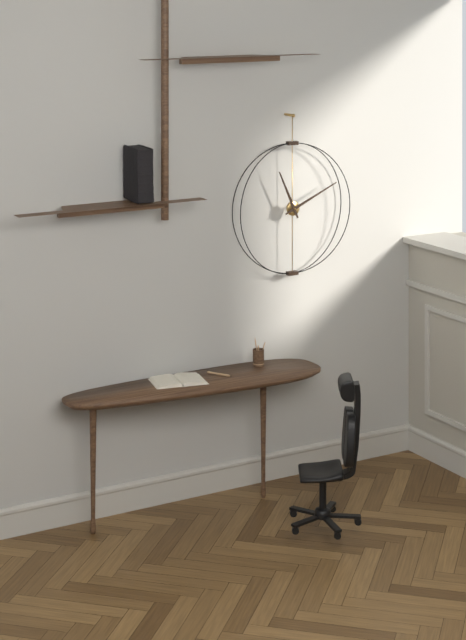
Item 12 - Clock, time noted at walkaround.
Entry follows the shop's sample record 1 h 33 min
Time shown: 11 h 11 min
